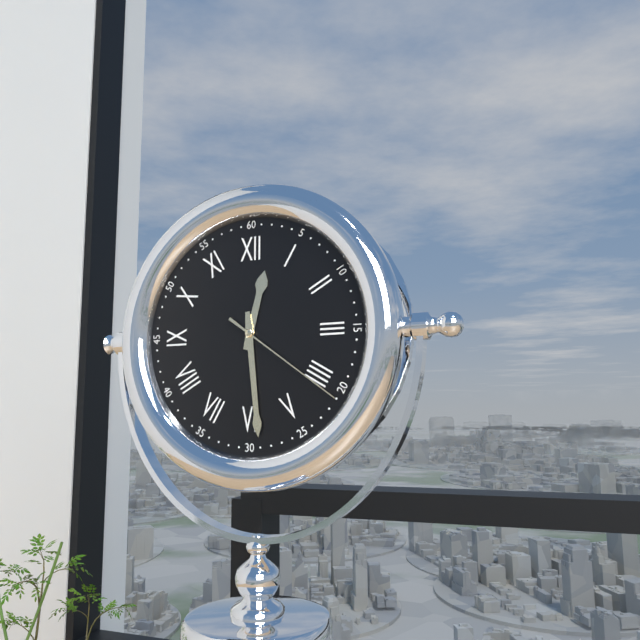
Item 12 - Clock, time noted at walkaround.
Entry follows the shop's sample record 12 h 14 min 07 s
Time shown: 12 h 29 min 21 s
